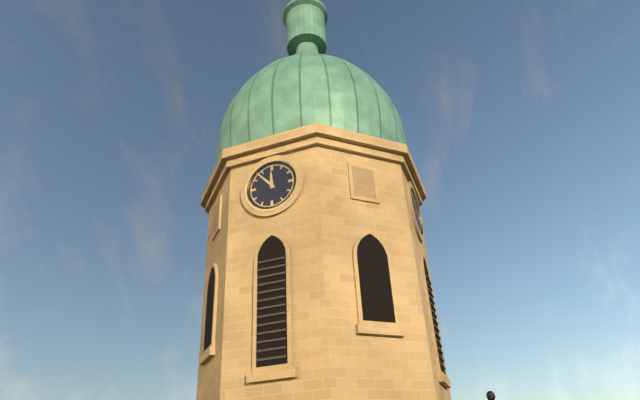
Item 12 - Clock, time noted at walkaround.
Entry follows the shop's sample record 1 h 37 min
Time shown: 11 h 53 min
